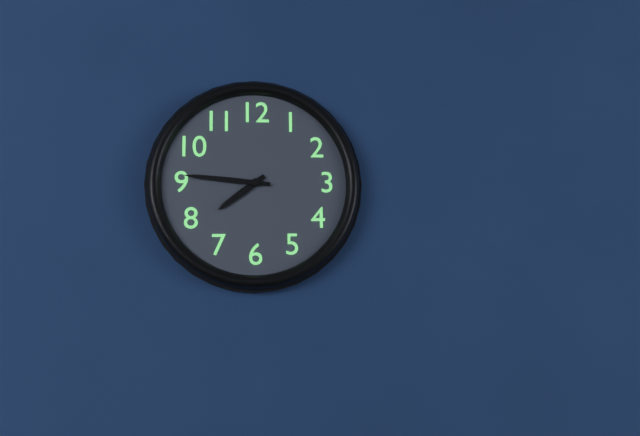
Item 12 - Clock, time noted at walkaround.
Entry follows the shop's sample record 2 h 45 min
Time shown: 7 h 46 min
